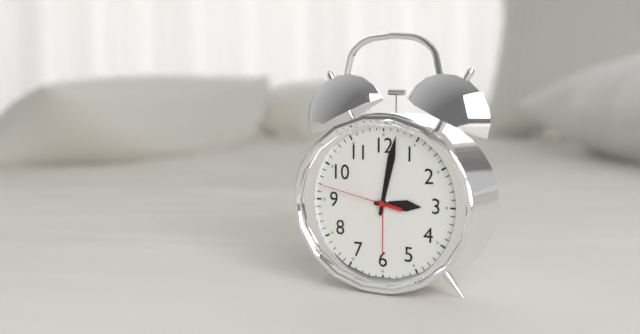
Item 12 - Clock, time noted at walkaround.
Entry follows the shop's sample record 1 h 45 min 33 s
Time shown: 3 h 02 min 47 s
